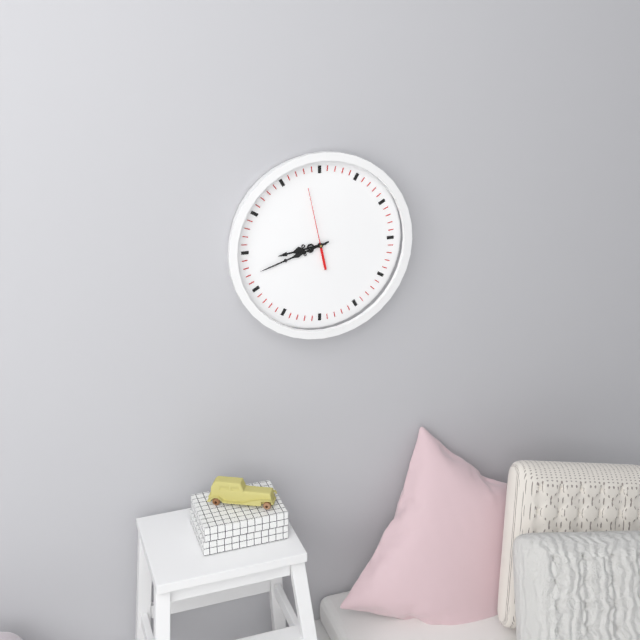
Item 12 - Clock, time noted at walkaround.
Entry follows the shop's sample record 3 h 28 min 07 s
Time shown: 8 h 42 min 58 s
